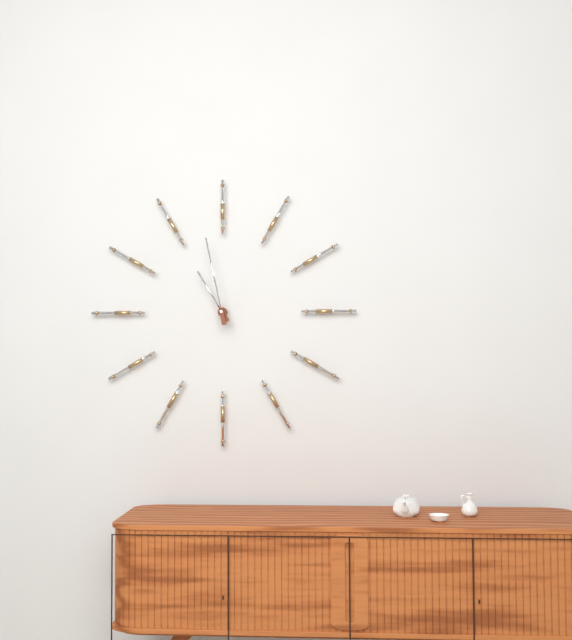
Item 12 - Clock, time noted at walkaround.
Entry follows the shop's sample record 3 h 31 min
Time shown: 10 h 58 min
